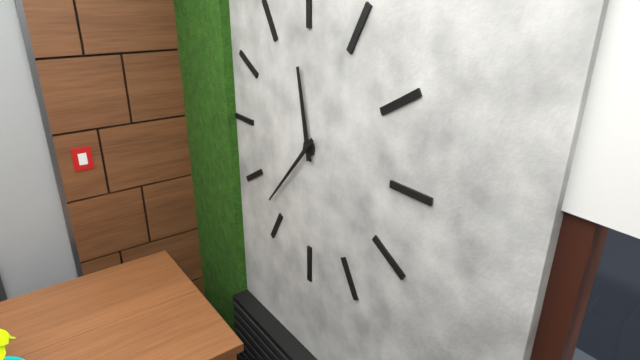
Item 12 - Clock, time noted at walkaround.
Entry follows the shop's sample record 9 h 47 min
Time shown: 11 h 37 min
